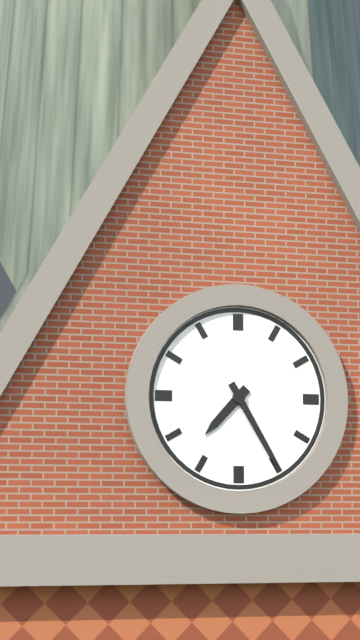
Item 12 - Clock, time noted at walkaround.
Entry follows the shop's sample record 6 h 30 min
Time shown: 7 h 25 min
